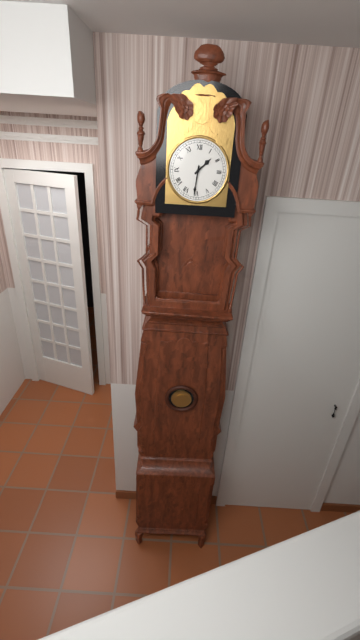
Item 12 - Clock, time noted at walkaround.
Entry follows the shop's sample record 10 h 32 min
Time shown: 1 h 31 min
